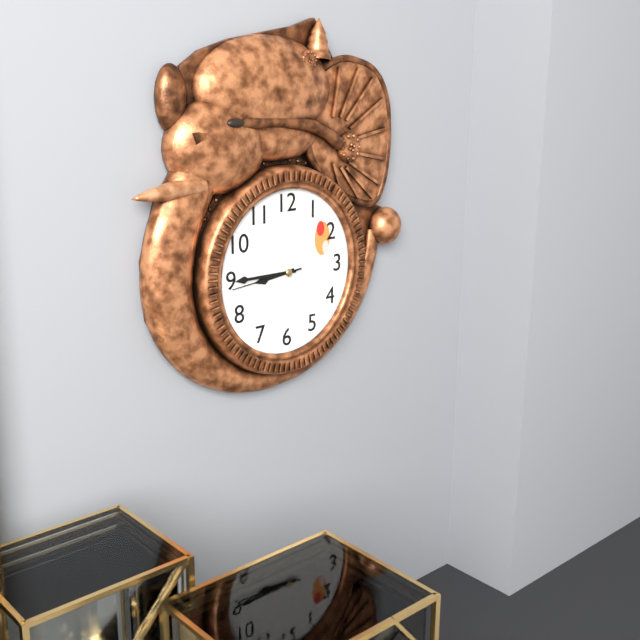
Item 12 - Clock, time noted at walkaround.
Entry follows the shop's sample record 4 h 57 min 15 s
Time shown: 8 h 45 min 44 s
